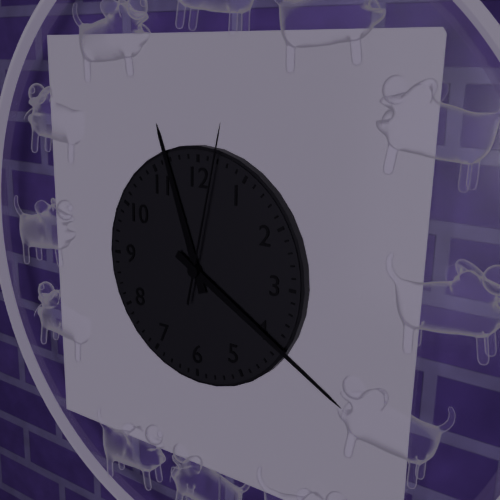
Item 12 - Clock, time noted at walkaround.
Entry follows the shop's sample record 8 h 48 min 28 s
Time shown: 11 h 20 min 02 s
